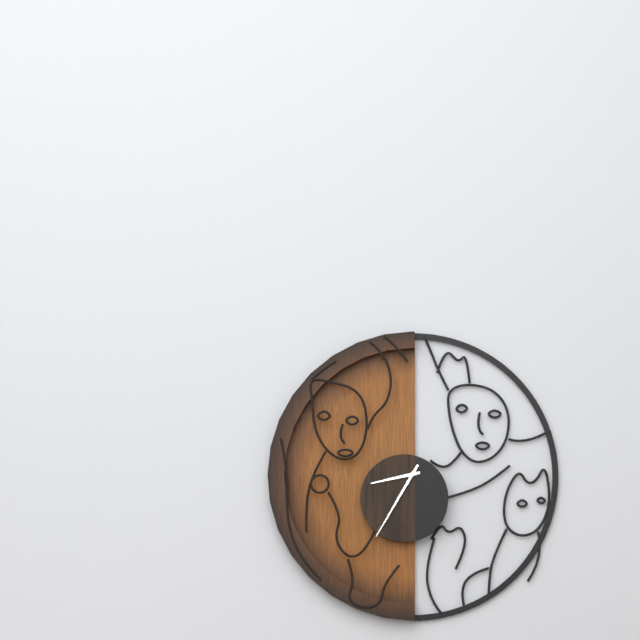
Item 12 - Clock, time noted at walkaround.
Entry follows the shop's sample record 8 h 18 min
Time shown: 8 h 35 min
